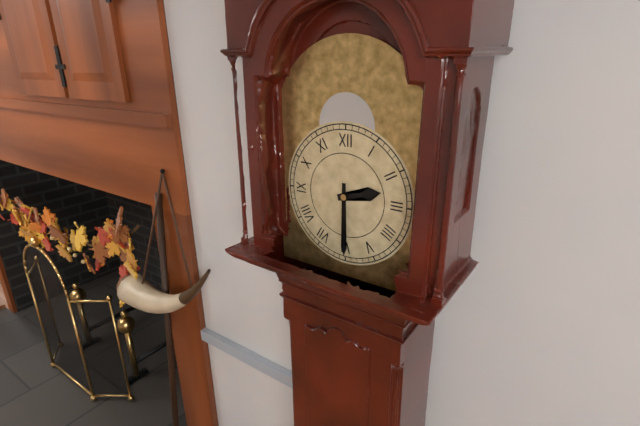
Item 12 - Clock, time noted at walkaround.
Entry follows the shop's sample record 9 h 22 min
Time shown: 2 h 30 min
